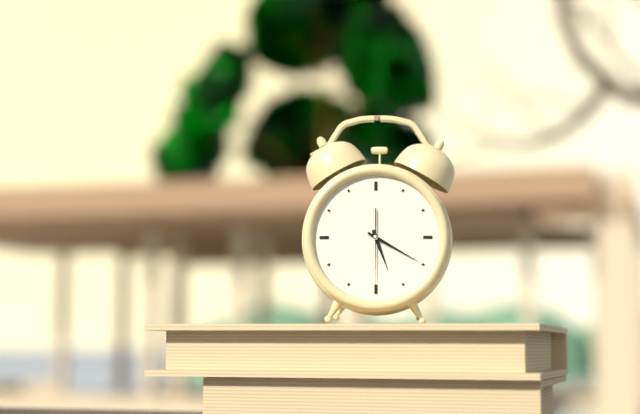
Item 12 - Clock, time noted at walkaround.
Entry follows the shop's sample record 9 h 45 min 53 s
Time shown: 5 h 20 min 30 s
